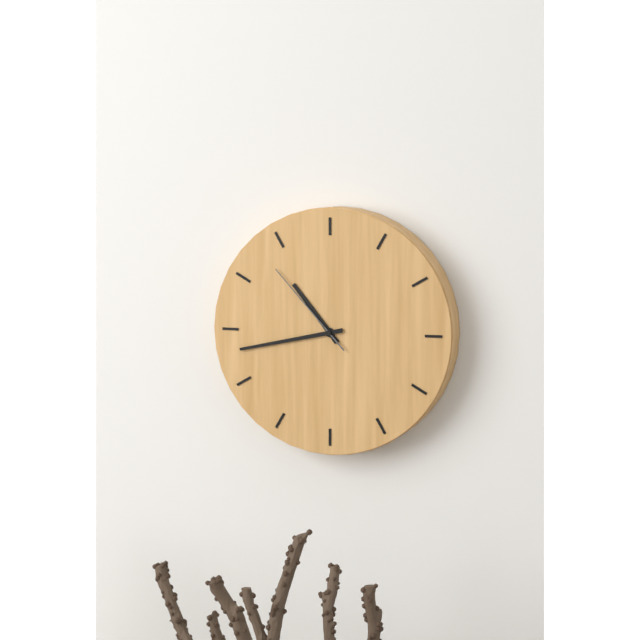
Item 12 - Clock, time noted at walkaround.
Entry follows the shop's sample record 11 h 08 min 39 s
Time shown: 10 h 43 min 53 s
